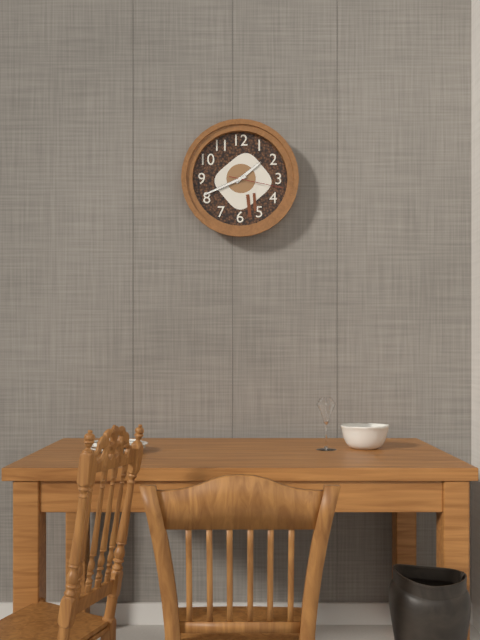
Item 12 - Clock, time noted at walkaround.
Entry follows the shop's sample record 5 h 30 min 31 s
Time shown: 1 h 41 min 17 s
